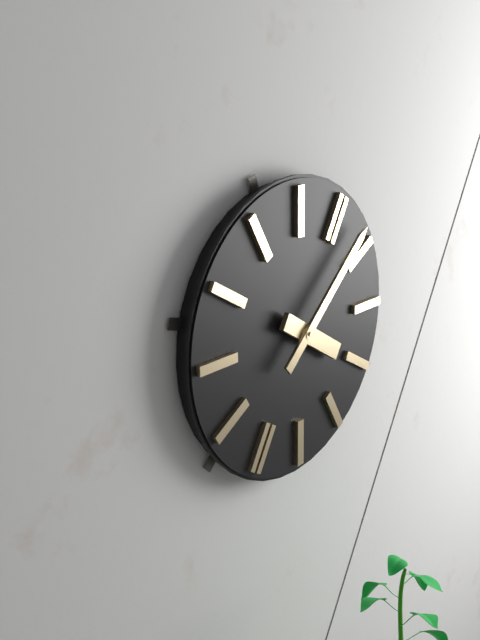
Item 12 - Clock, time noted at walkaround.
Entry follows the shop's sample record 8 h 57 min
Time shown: 3 h 03 min
